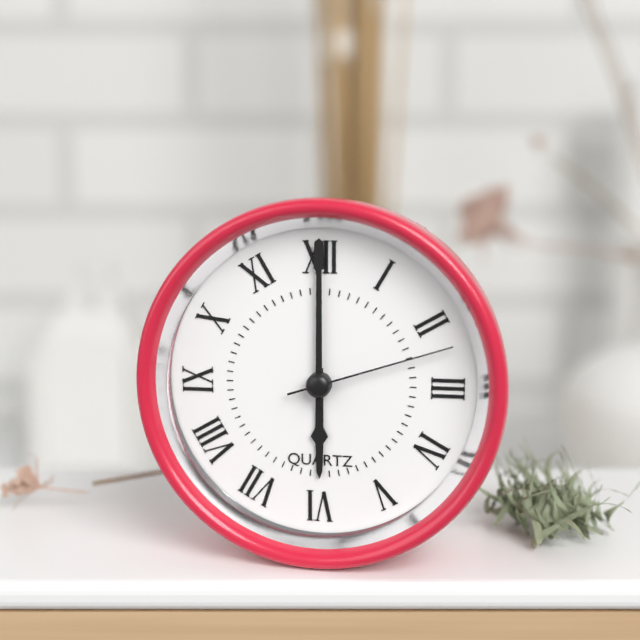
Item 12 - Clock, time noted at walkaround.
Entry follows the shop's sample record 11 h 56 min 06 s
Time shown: 6 h 00 min 12 s
